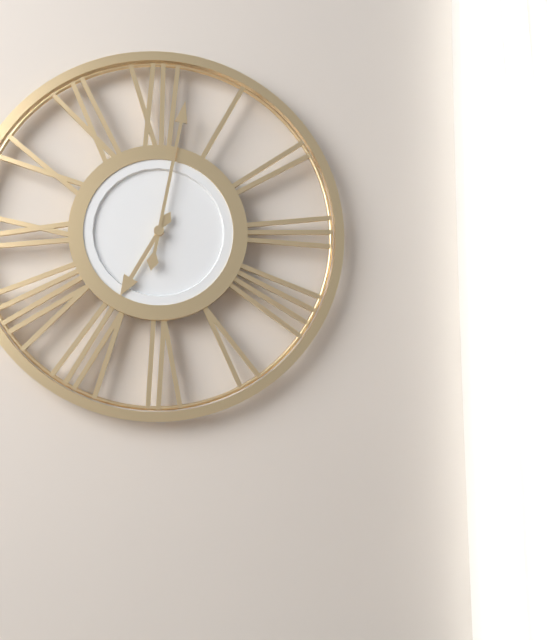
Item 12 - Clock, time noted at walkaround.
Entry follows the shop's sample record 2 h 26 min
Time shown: 7 h 02 min
